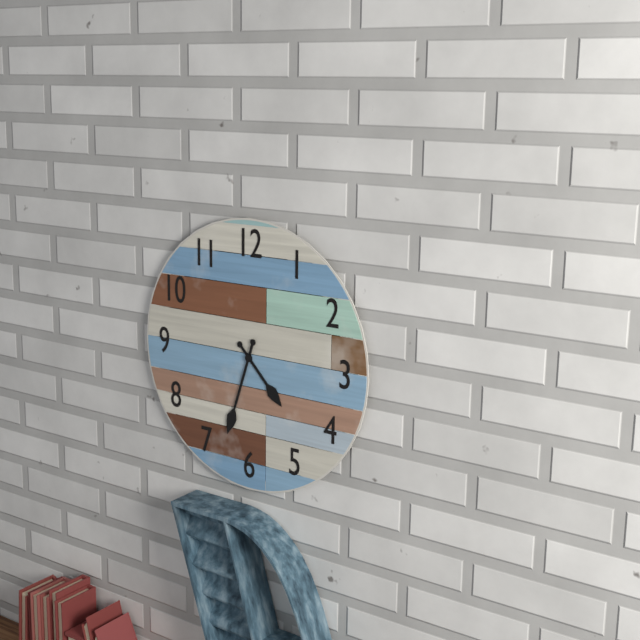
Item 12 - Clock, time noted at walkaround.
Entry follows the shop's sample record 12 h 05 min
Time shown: 4 h 33 min
